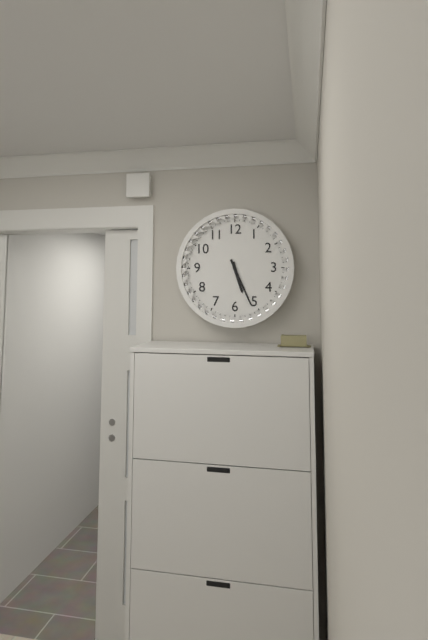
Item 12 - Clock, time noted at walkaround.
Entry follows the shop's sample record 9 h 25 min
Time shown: 5 h 26 min
